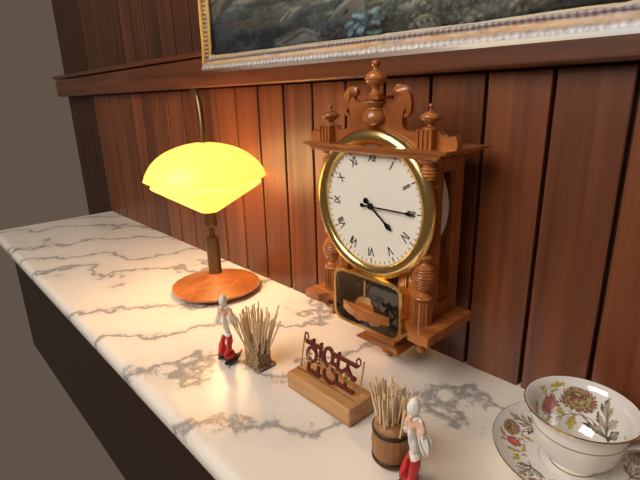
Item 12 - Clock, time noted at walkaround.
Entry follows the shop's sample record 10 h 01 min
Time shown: 4 h 15 min
